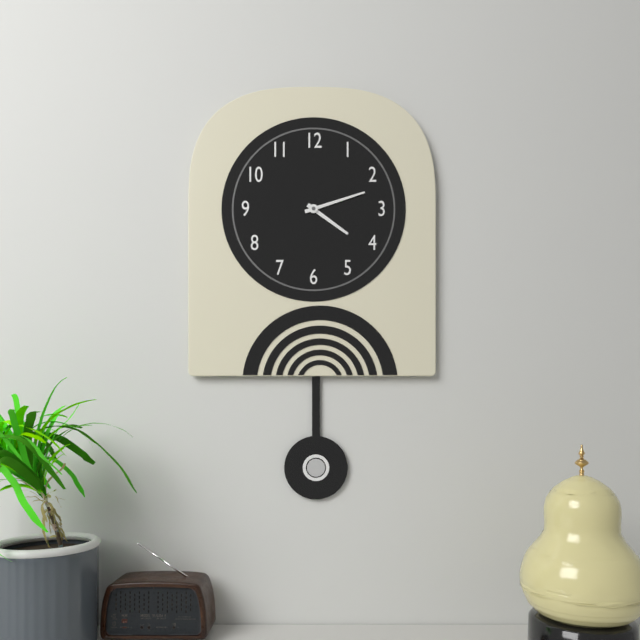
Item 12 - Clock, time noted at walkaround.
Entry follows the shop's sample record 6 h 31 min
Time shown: 4 h 12 min
